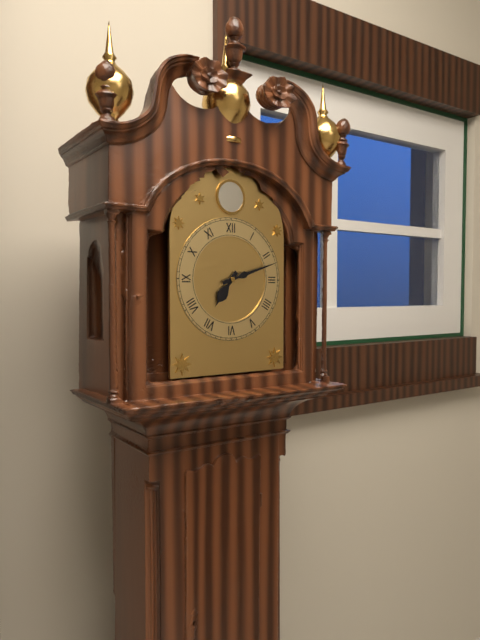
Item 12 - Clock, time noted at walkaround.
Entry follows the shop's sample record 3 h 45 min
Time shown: 7 h 12 min
